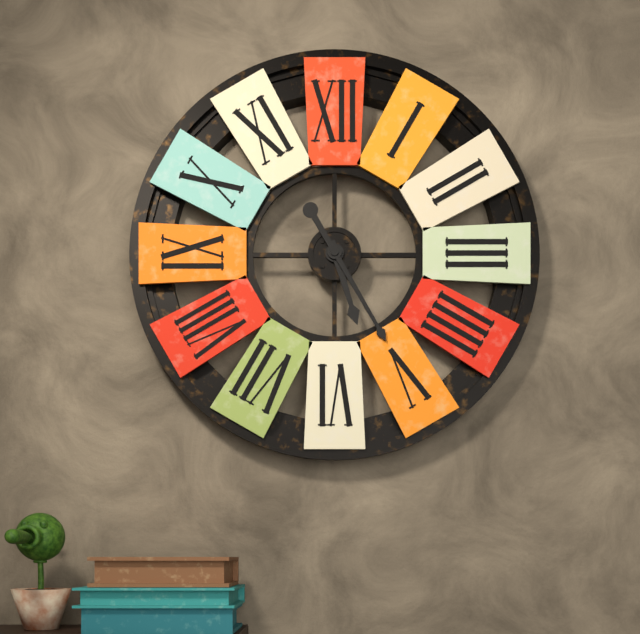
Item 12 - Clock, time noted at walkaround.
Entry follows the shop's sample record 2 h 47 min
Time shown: 5 h 25 min
